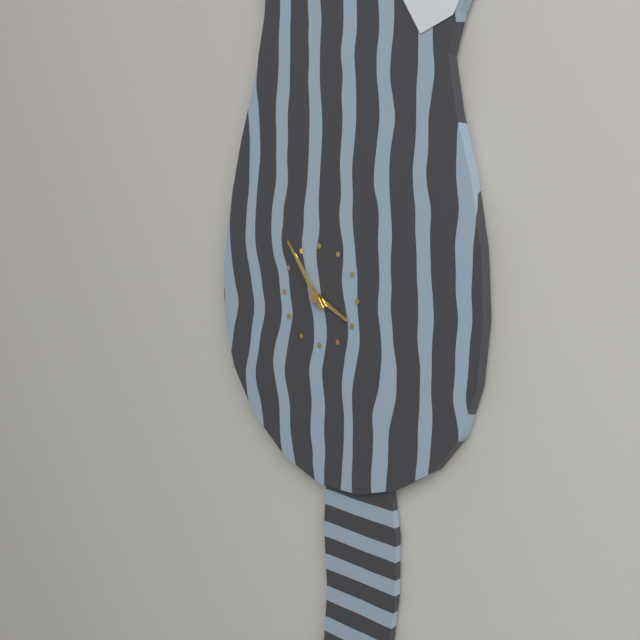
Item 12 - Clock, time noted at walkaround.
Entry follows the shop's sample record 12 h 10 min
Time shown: 3 h 54 min
